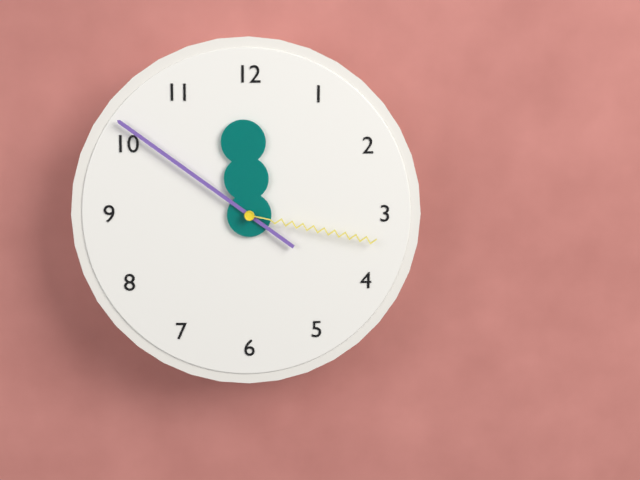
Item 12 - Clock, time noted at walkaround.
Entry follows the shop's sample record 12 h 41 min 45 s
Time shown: 11 h 51 min 17 s
